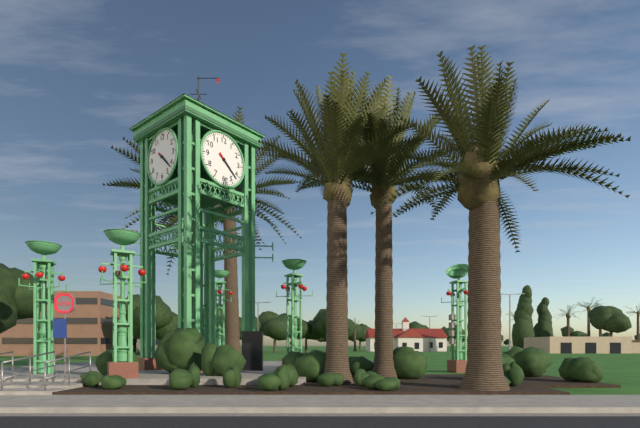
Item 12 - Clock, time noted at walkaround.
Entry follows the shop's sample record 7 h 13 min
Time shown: 4 h 22 min
